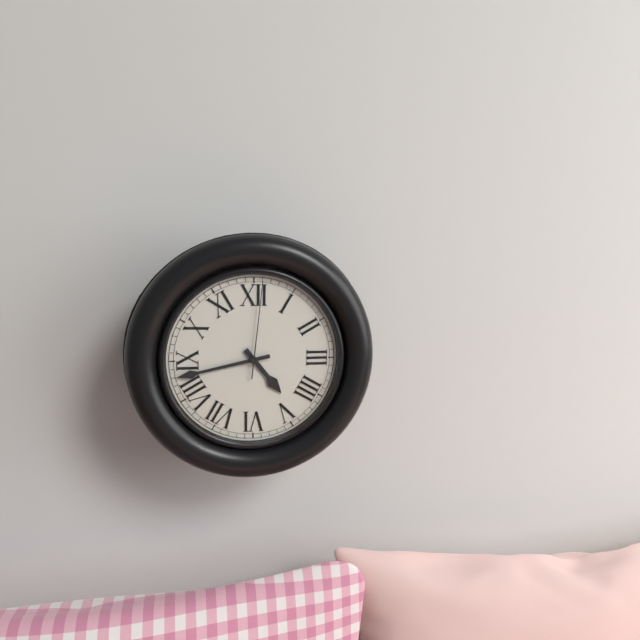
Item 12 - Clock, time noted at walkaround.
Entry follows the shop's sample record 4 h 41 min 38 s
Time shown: 4 h 43 min 01 s
